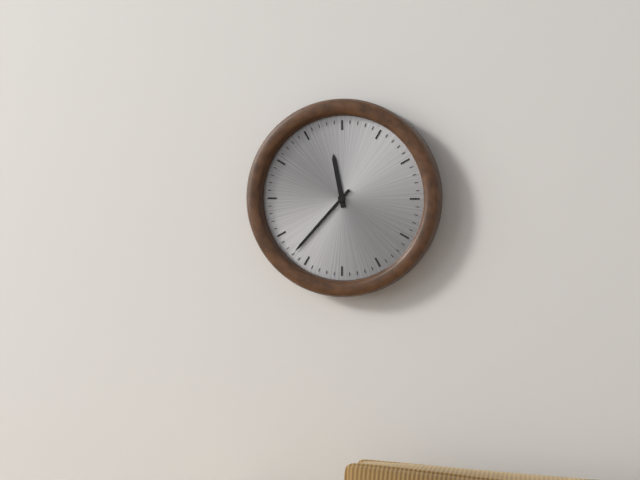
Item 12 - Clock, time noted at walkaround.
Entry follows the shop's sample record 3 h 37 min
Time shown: 11 h 37 min
